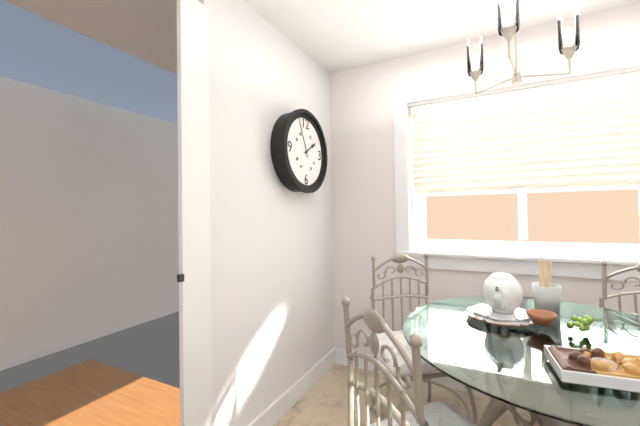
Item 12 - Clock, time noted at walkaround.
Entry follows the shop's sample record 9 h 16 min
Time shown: 1 h 56 min
